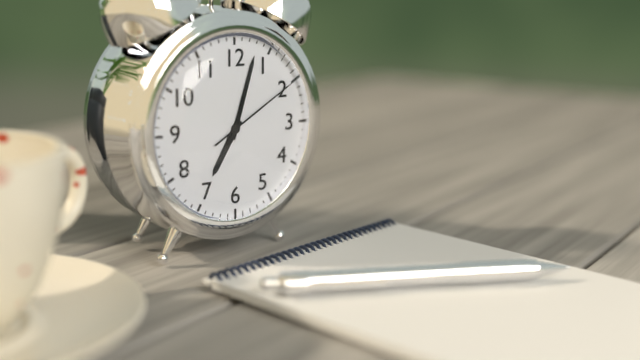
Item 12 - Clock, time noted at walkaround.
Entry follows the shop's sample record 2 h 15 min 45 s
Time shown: 7 h 03 min 10 s
